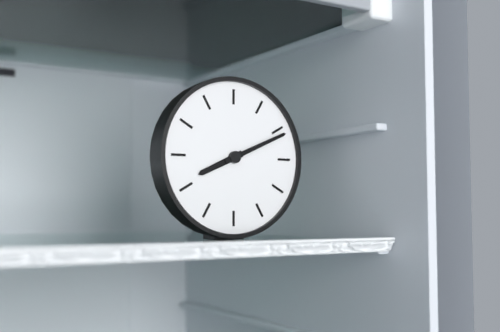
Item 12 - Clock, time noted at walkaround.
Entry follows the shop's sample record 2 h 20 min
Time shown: 8 h 11 min
